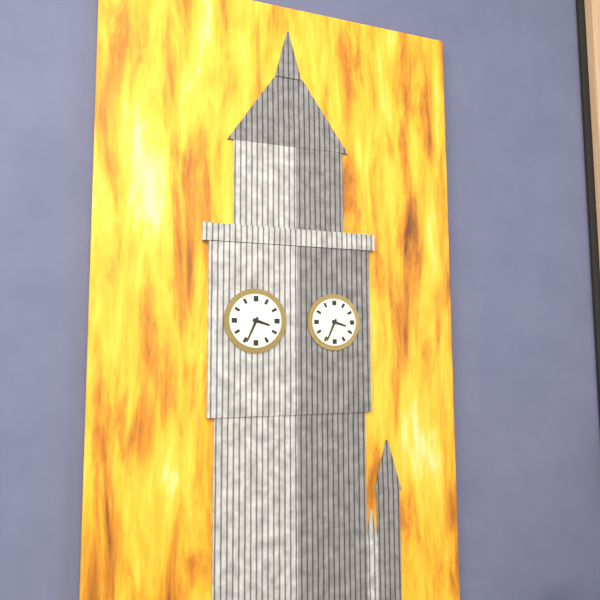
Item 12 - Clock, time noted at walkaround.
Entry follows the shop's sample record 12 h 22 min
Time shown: 3 h 34 min
